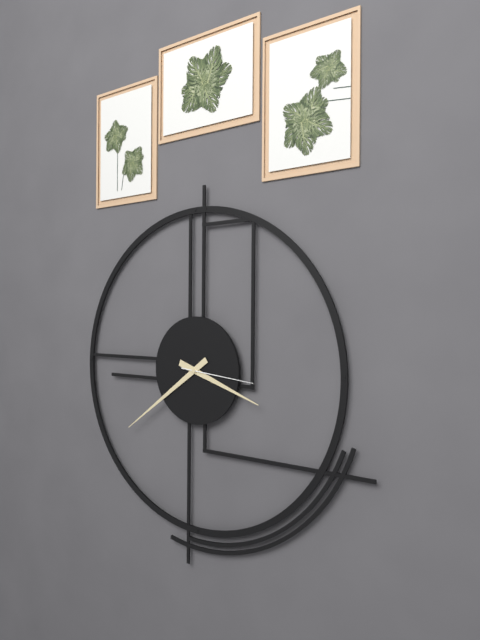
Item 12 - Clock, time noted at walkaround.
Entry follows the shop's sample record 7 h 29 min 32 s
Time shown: 3 h 39 min 16 s
